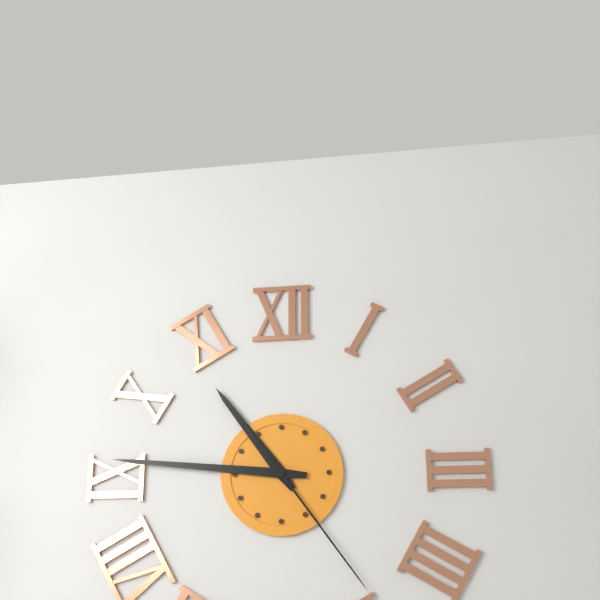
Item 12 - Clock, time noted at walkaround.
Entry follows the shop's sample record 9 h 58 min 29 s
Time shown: 10 h 46 min 24 s
